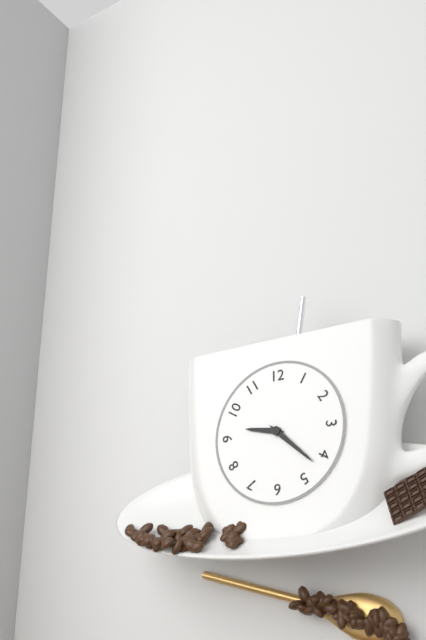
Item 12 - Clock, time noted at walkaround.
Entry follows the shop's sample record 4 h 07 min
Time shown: 9 h 22 min
